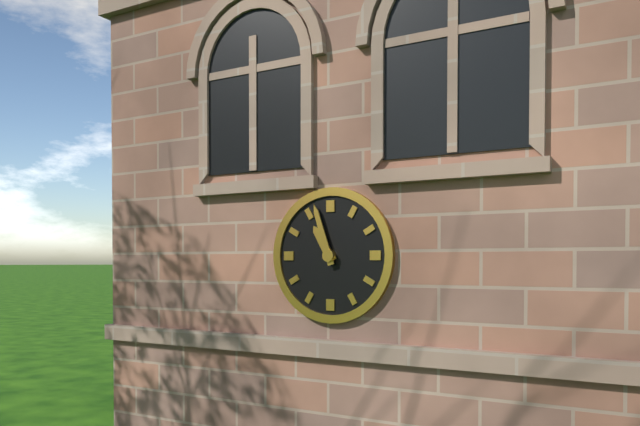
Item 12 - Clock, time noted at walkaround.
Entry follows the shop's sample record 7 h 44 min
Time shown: 10 h 57 min
